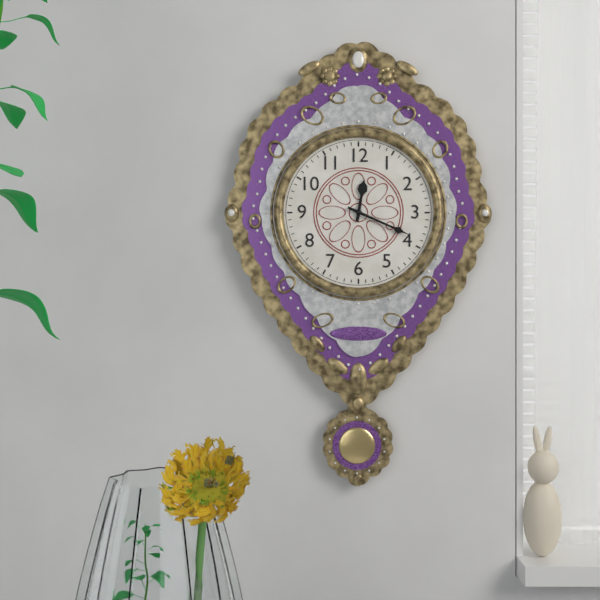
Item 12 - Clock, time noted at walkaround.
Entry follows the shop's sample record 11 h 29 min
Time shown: 12 h 19 min
